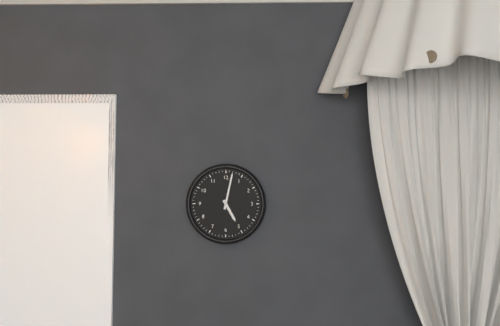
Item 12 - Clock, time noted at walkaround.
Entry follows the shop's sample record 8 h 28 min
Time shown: 5 h 02 min
